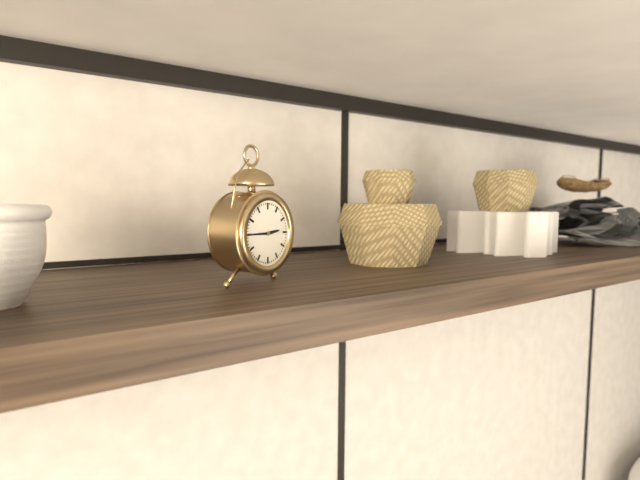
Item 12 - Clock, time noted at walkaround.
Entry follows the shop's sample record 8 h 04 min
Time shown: 2 h 45 min
